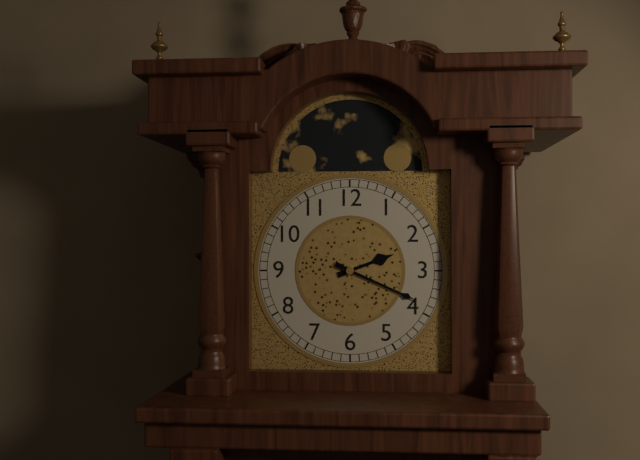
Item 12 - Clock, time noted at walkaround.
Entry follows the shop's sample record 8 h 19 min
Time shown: 2 h 19 min
